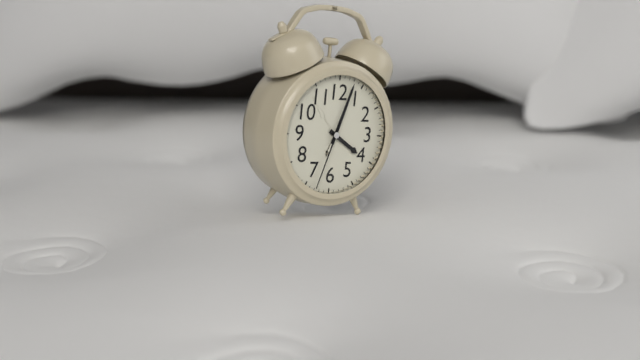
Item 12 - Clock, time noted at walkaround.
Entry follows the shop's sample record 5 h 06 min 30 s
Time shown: 4 h 03 min 33 s
